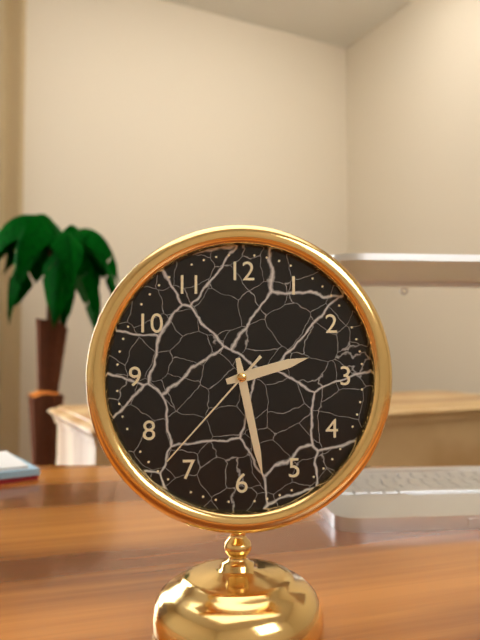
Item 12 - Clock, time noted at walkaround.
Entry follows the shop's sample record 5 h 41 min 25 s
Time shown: 2 h 28 min 37 s
